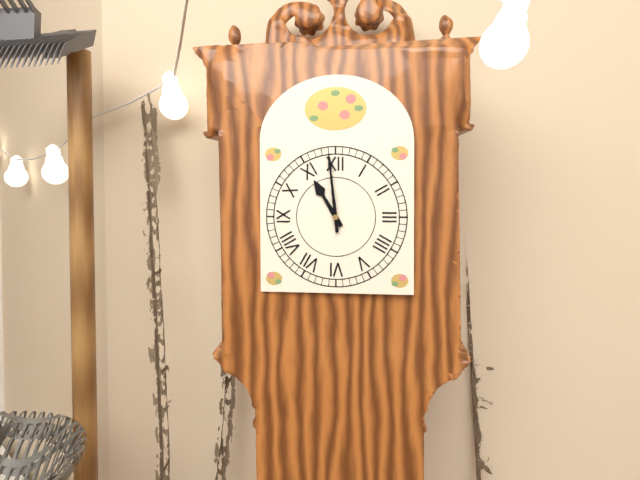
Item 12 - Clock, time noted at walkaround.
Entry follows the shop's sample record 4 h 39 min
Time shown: 10 h 59 min
